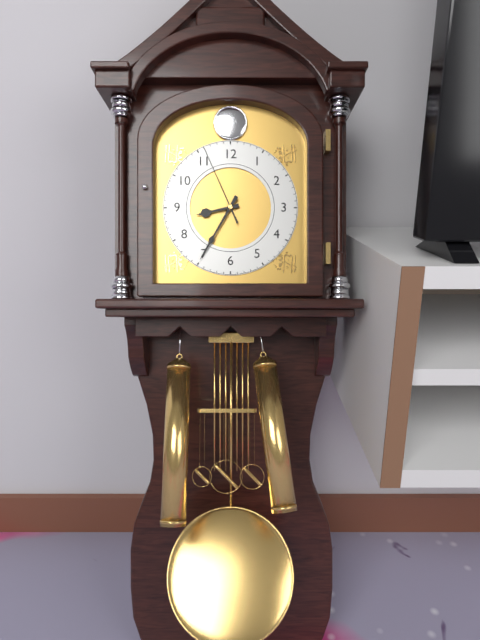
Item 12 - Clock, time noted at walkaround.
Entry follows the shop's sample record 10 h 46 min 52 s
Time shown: 8 h 35 min 56 s
